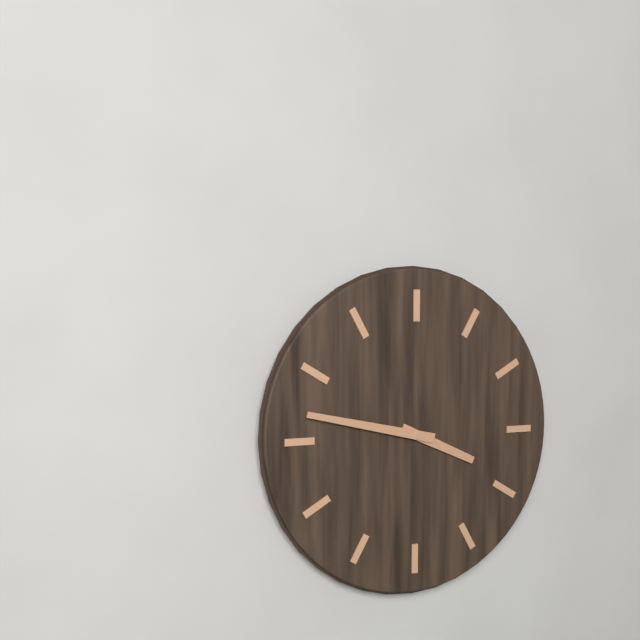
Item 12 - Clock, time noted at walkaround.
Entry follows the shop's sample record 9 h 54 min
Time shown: 3 h 47 min
